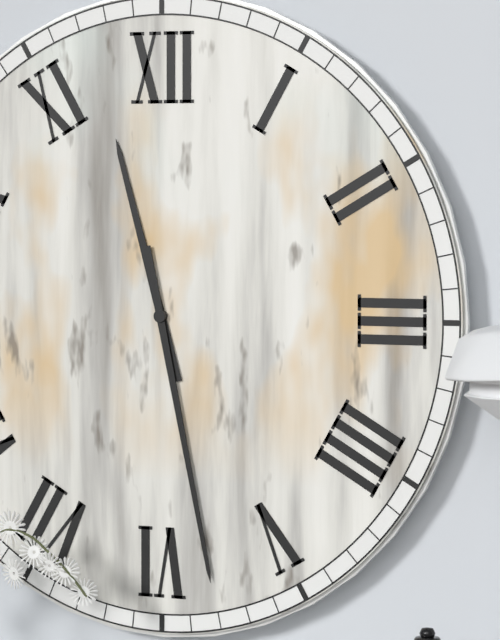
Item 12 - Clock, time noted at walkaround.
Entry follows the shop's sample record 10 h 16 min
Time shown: 11 h 28 min
